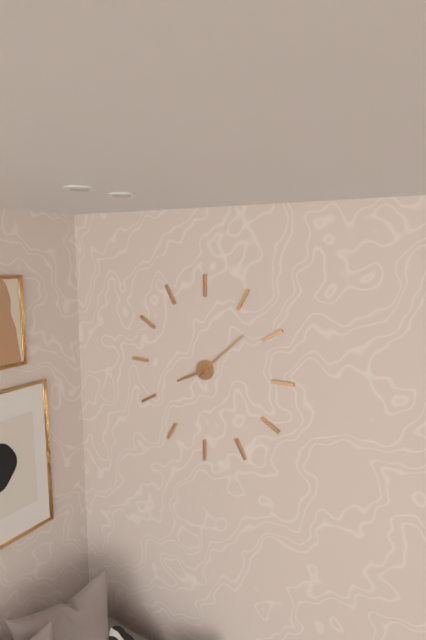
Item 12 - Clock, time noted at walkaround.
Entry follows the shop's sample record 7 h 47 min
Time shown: 8 h 08 min
